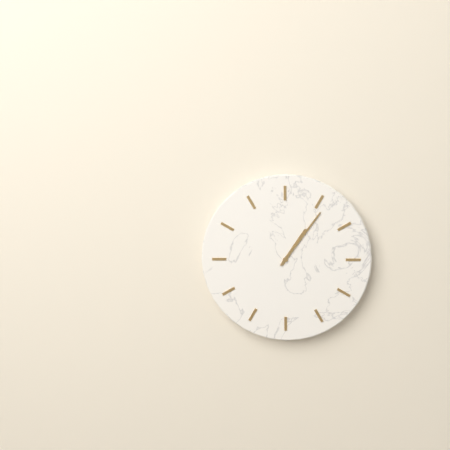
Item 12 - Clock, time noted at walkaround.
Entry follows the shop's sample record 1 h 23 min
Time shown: 1 h 06 min
